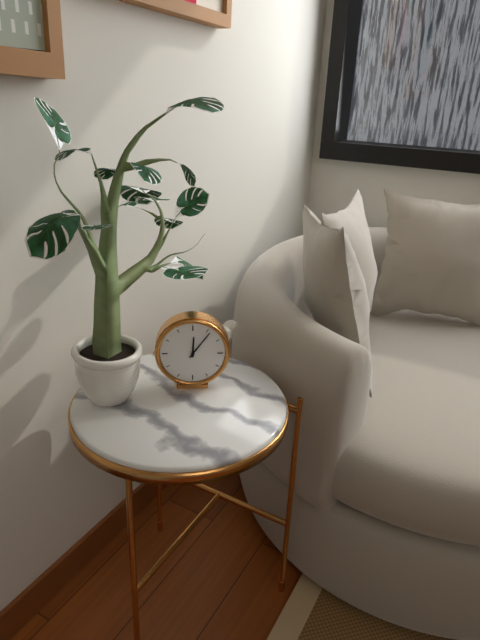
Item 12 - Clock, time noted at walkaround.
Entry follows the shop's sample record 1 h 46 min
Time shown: 12 h 06 min
